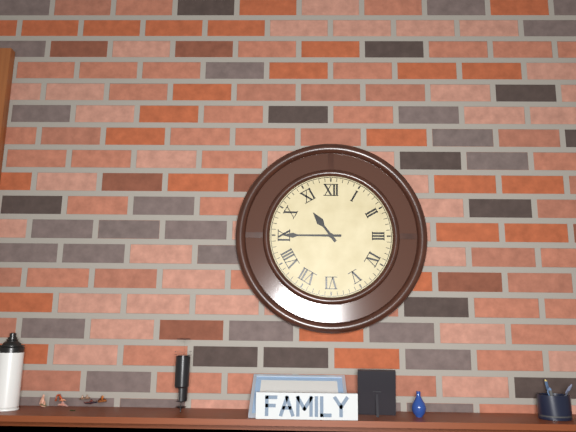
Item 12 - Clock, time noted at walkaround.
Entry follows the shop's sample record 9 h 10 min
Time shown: 10 h 45 min
